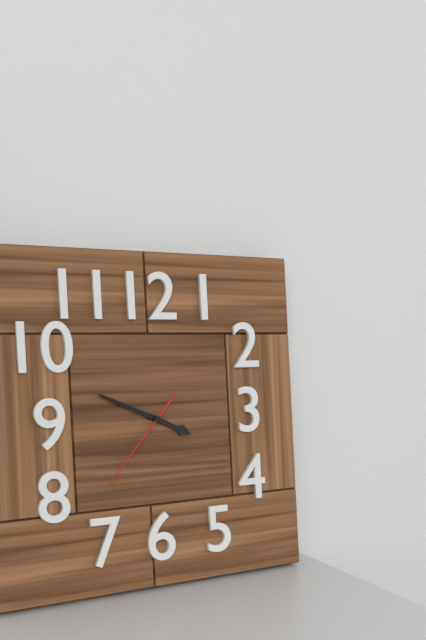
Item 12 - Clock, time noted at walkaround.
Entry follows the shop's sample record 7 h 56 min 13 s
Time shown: 3 h 49 min 37 s
